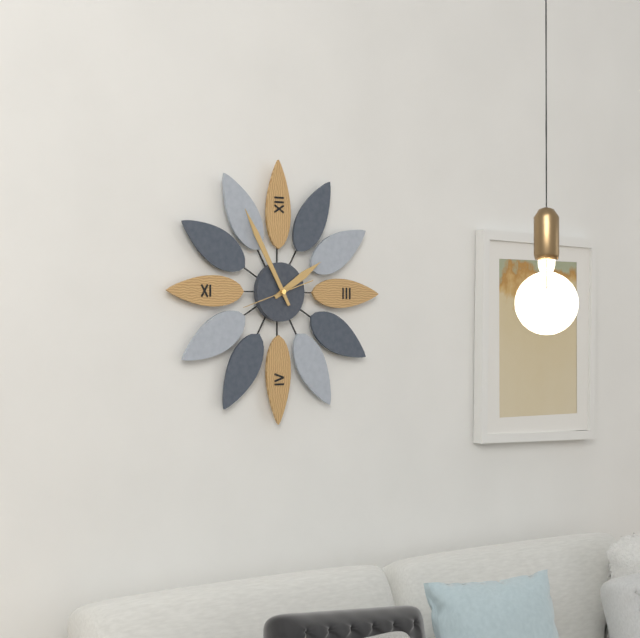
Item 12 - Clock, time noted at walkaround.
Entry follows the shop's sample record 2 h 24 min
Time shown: 1 h 55 min
